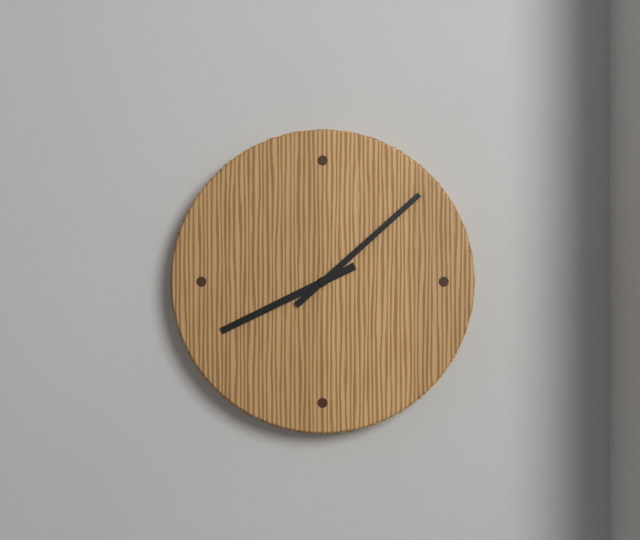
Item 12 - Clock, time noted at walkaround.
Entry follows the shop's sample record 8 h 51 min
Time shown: 8 h 08 min
